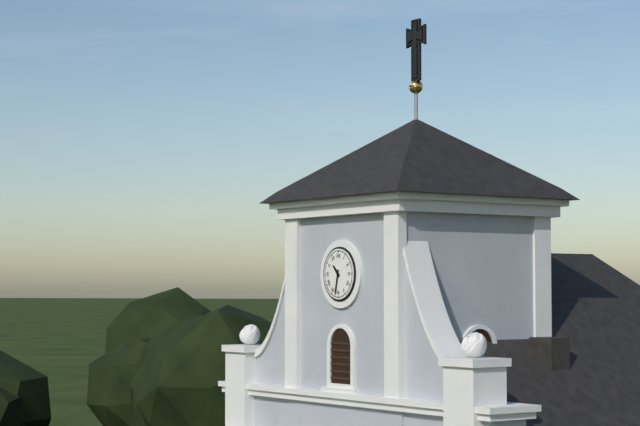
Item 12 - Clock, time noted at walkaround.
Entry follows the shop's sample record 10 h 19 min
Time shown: 10 h 32 min
